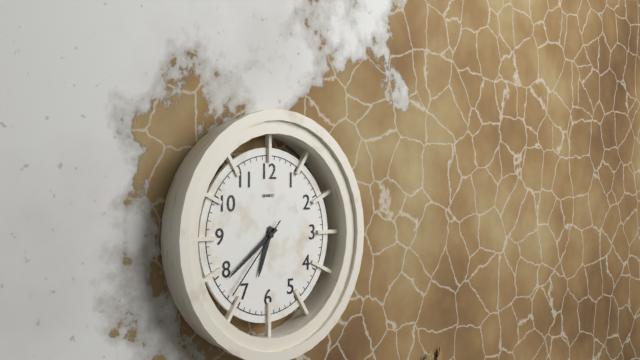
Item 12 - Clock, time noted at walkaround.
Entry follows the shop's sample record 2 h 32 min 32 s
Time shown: 6 h 39 min 37 s
